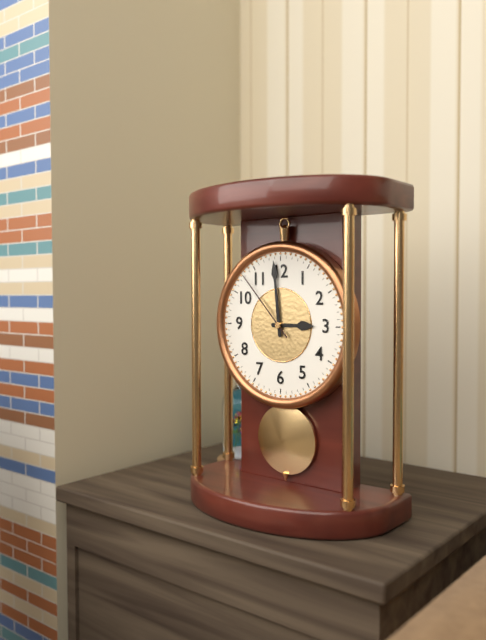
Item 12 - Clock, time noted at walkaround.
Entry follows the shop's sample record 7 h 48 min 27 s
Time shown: 2 h 59 min 53 s
